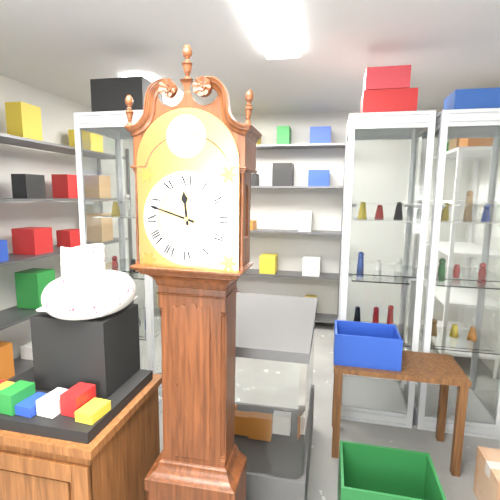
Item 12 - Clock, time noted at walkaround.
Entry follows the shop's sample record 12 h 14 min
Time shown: 11 h 48 min
